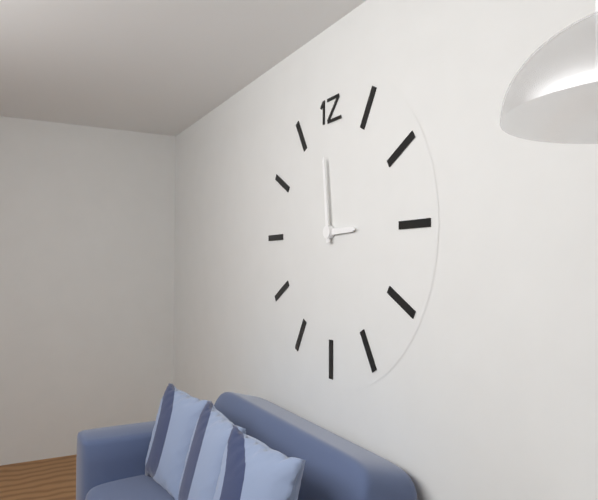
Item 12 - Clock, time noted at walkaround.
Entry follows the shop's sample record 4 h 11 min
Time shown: 2 h 59 min
